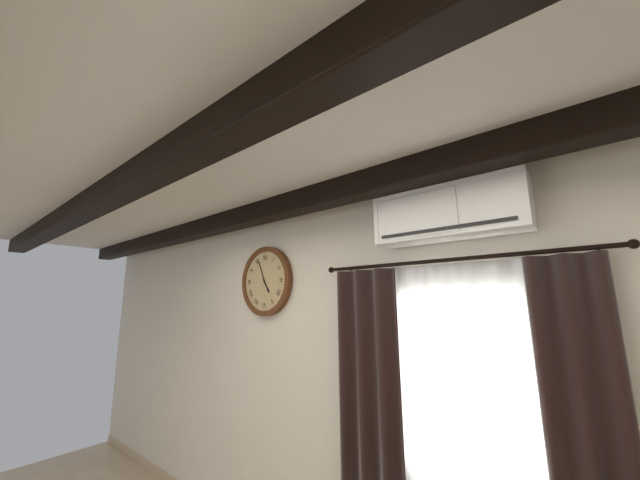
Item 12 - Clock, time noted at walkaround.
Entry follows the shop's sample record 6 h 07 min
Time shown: 4 h 56 min
